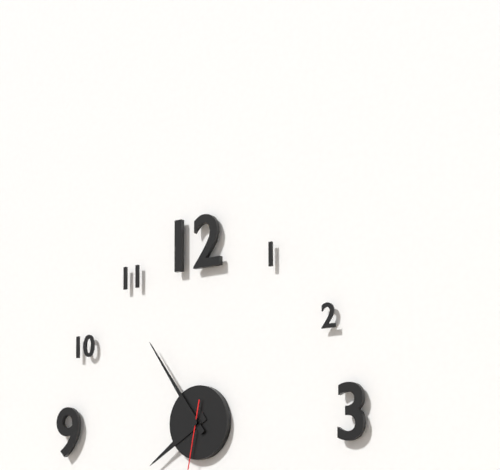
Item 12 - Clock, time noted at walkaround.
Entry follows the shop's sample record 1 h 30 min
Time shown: 7 h 54 min
